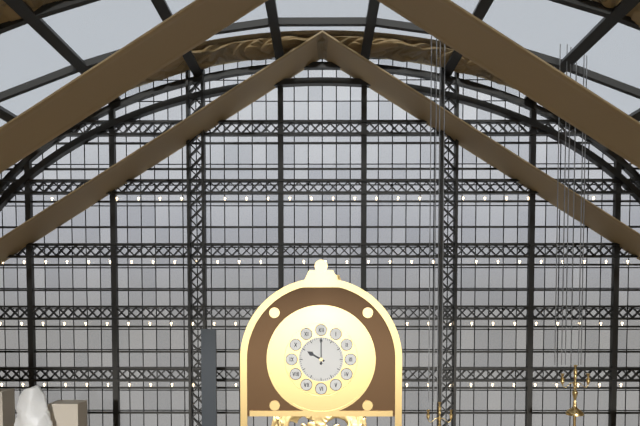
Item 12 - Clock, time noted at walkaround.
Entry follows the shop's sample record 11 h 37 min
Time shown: 10 h 00 min
